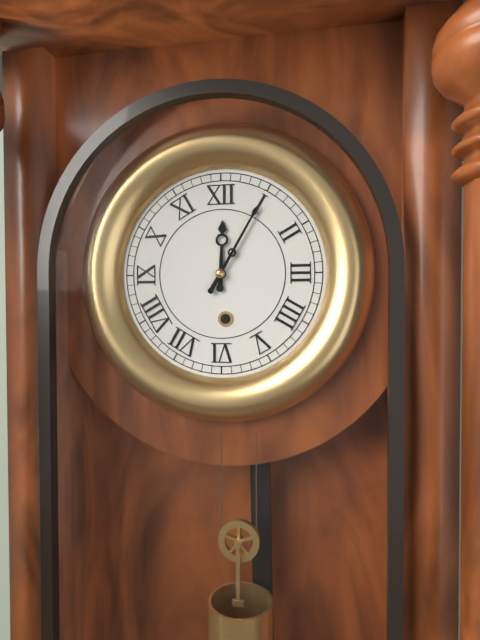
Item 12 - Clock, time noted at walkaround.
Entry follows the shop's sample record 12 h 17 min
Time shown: 12 h 05 min
